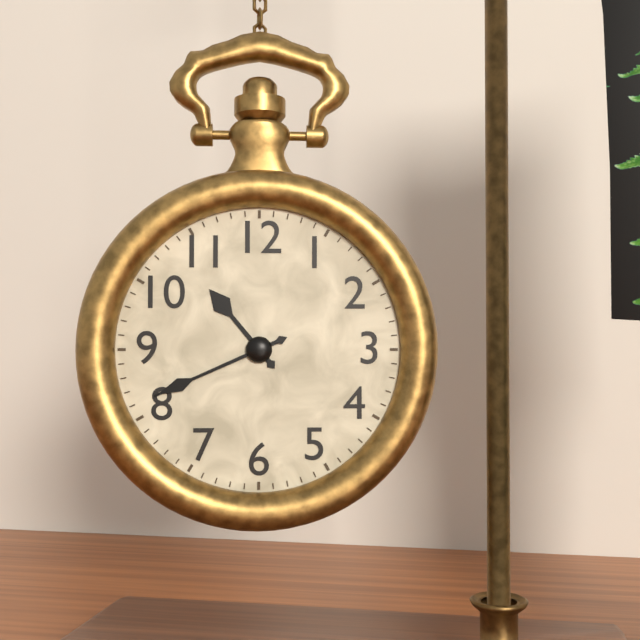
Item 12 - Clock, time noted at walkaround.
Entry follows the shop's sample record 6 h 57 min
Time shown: 10 h 41 min
